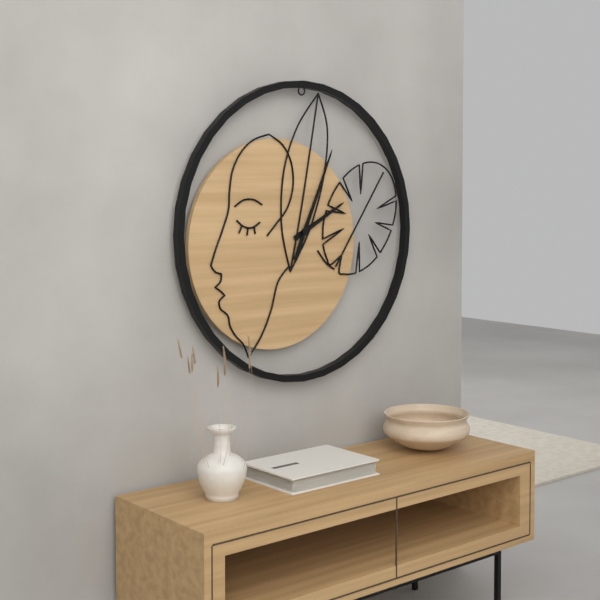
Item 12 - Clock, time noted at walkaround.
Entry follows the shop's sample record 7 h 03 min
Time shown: 2 h 04 min
